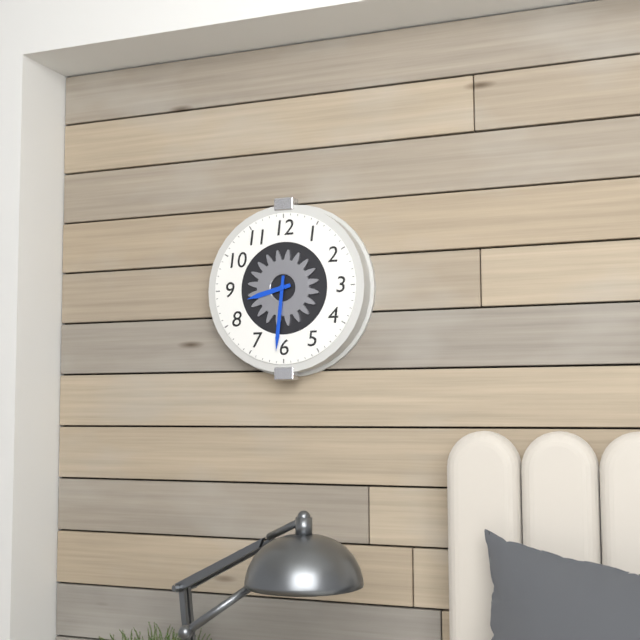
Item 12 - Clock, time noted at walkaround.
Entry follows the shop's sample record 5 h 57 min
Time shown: 8 h 31 min
